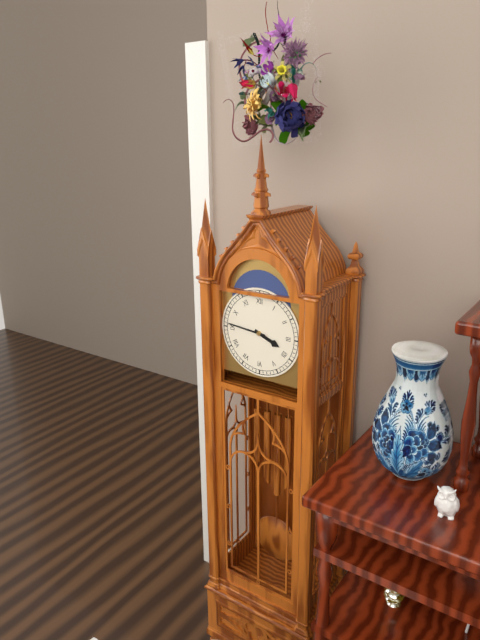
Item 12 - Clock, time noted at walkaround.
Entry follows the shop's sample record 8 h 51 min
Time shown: 3 h 46 min
